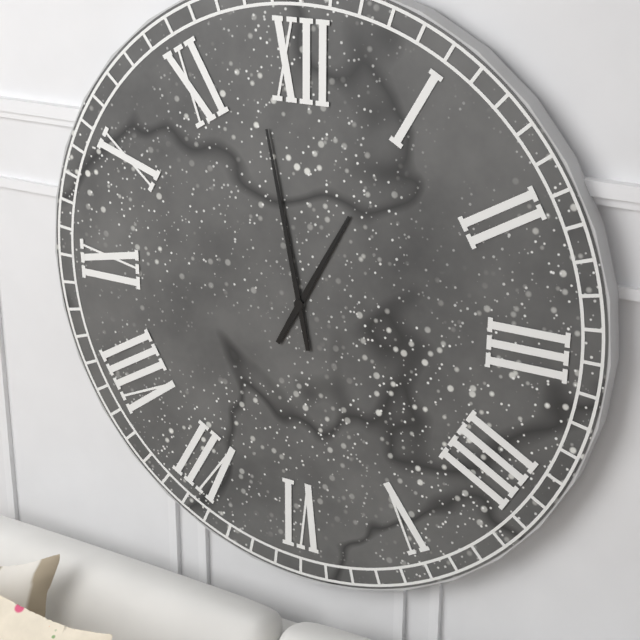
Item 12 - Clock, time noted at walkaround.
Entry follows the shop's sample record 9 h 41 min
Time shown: 12 h 58 min
